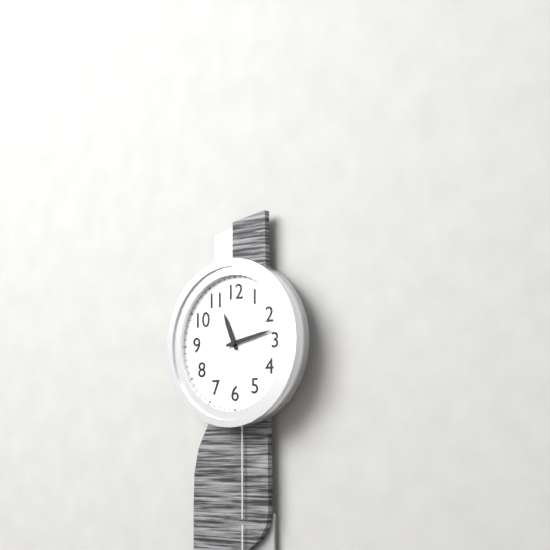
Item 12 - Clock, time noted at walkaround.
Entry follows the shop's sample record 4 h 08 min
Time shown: 11 h 13 min
